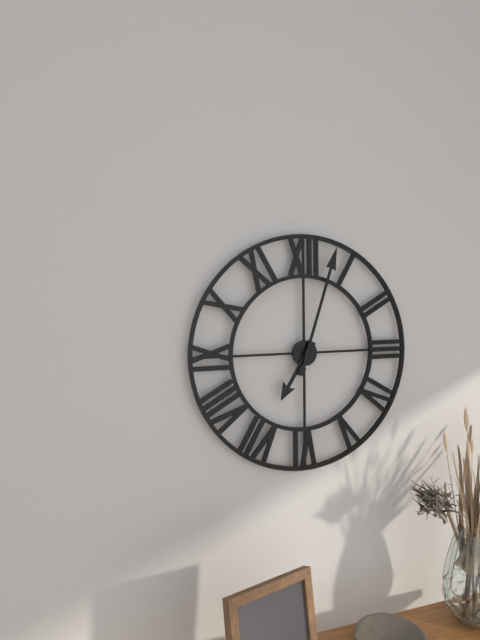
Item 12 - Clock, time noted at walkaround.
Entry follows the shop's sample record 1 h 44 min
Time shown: 7 h 03 min
